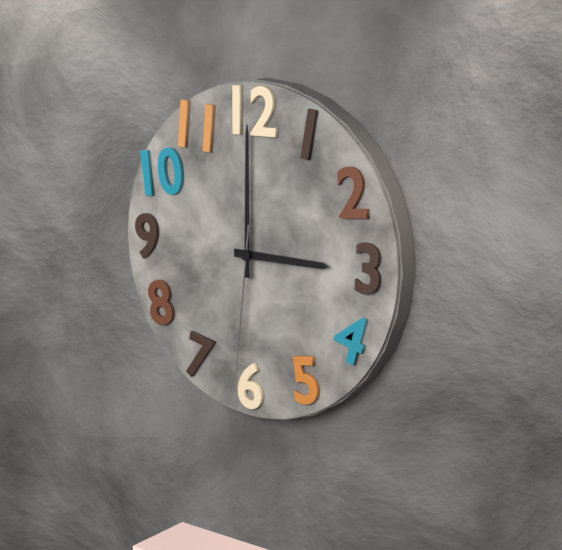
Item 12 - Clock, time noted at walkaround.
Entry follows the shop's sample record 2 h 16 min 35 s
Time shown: 3 h 00 min 31 s
